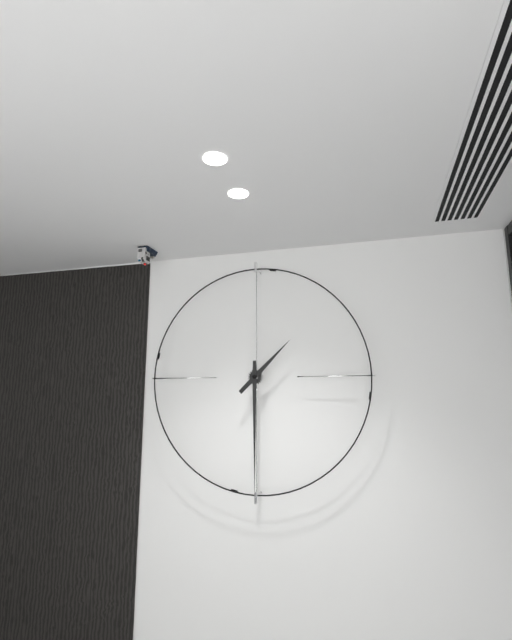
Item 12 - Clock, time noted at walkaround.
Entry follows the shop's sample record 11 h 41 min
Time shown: 1 h 30 min
